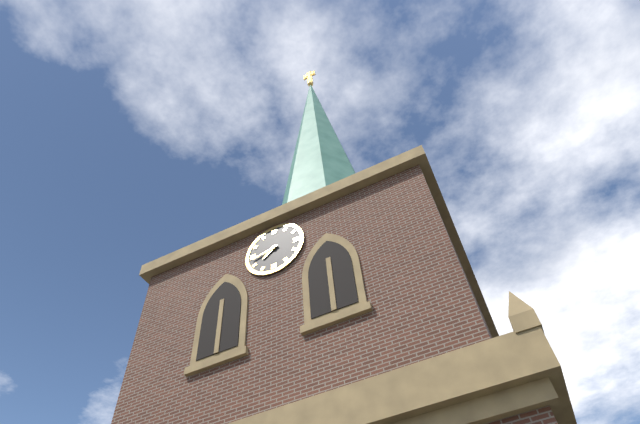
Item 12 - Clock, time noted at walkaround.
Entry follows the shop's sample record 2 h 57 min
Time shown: 7 h 43 min
